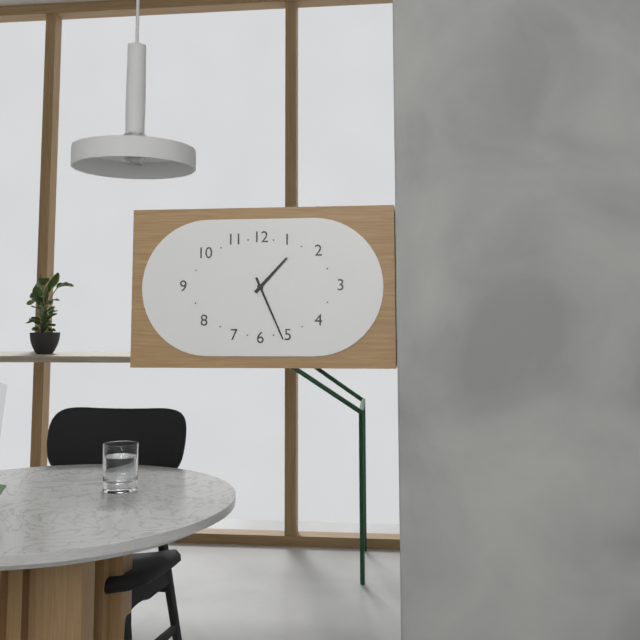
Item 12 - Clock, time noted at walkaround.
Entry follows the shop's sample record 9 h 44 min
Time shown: 1 h 26 min
